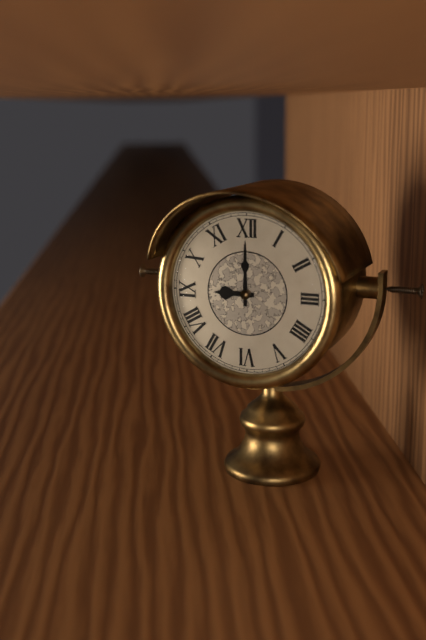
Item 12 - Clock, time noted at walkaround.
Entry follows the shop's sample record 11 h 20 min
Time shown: 9 h 00 min
